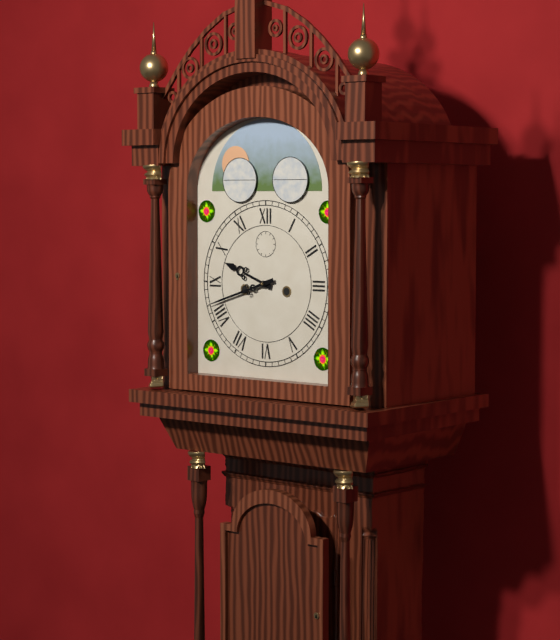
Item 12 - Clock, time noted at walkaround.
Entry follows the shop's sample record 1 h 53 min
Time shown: 9 h 42 min
